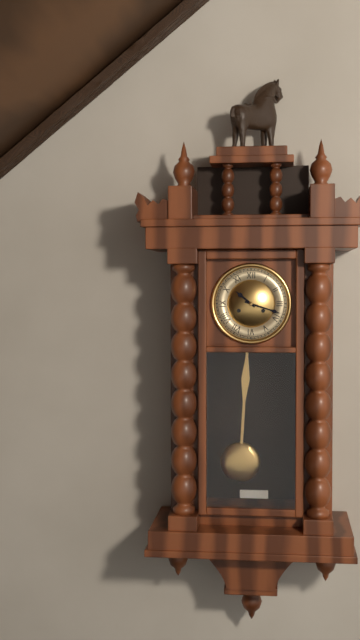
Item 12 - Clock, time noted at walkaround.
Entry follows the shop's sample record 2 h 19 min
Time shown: 10 h 18 min
